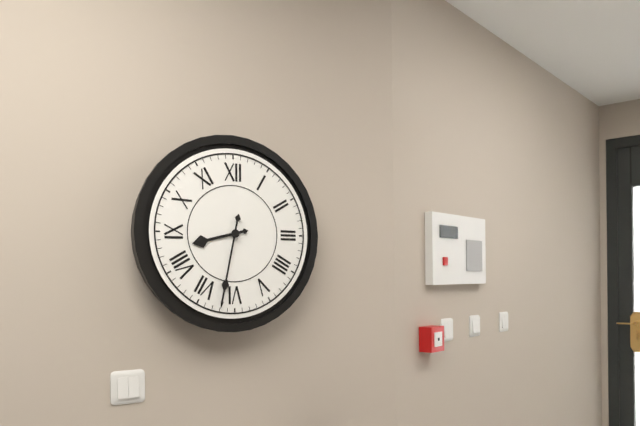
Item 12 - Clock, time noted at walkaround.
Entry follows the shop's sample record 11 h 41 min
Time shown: 8 h 32 min
